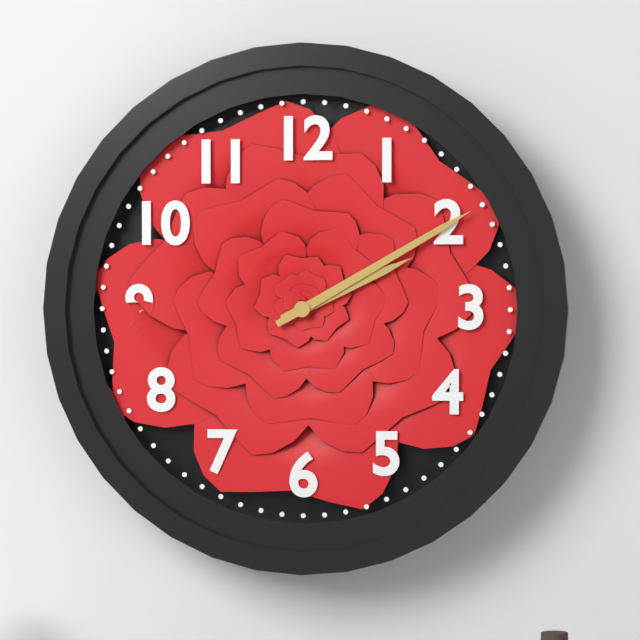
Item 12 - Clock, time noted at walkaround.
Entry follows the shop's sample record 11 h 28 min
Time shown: 2 h 10 min
